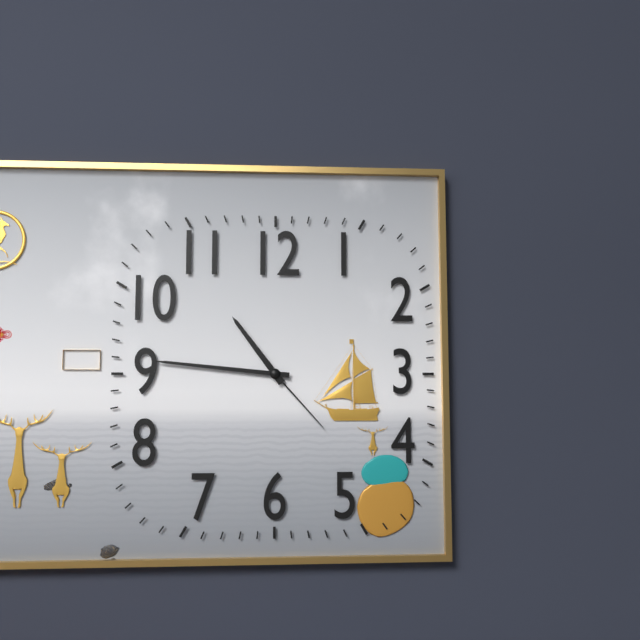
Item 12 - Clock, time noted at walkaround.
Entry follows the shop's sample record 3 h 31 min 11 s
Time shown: 10 h 46 min 23 s
